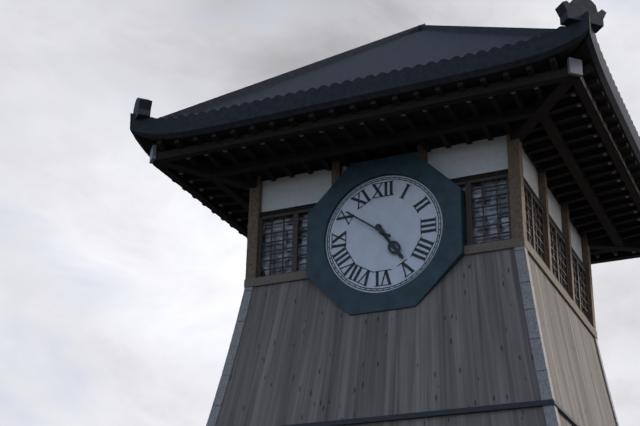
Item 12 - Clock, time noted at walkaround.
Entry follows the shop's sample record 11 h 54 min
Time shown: 4 h 51 min
